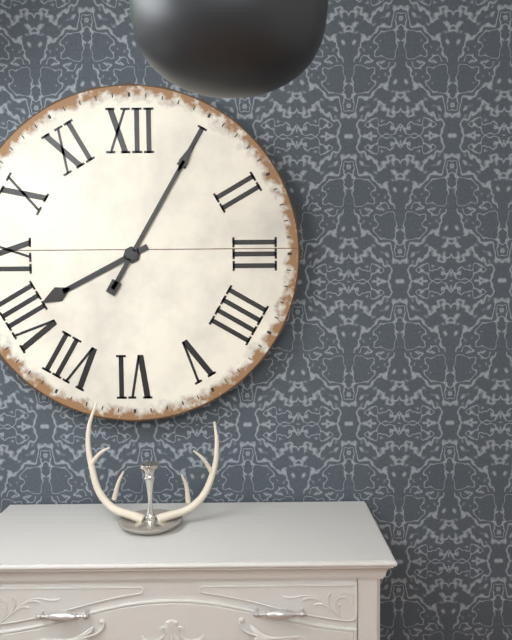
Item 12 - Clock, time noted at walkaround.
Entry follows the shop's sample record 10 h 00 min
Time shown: 8 h 05 min
